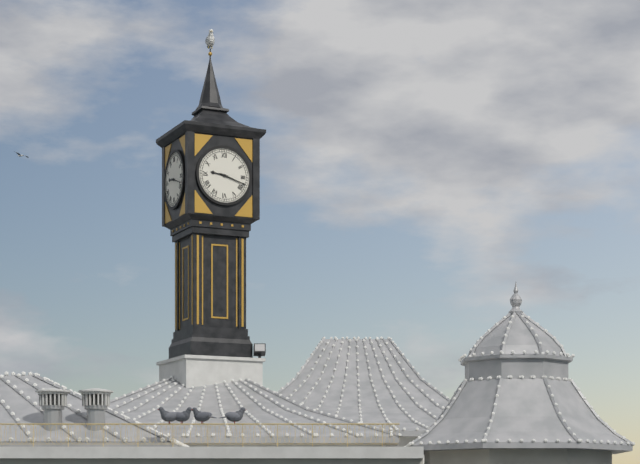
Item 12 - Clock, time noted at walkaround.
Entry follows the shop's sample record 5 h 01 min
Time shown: 9 h 18 min
